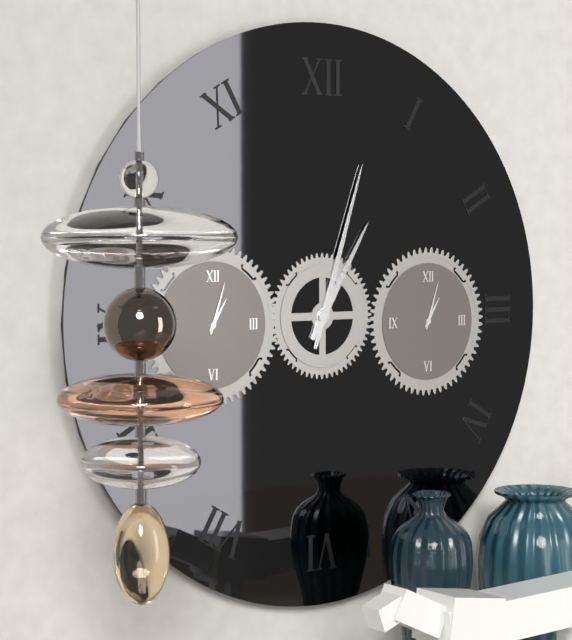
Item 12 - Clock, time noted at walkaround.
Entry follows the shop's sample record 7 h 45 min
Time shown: 1 h 03 min
